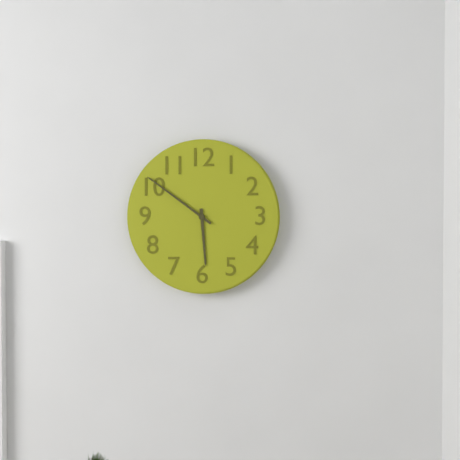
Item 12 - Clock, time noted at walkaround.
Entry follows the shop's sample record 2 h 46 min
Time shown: 5 h 51 min
